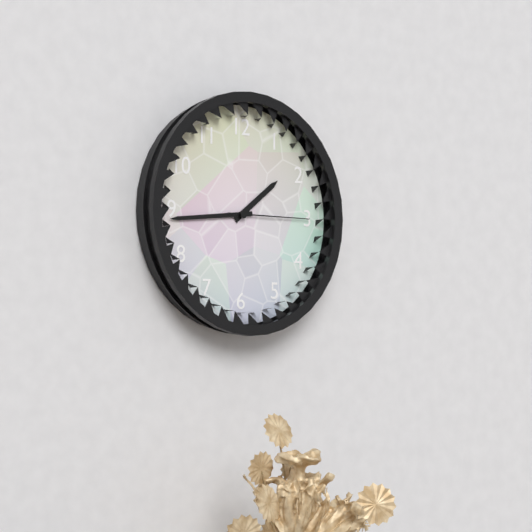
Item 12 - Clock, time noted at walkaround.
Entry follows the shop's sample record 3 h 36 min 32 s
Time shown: 1 h 44 min 15 s
